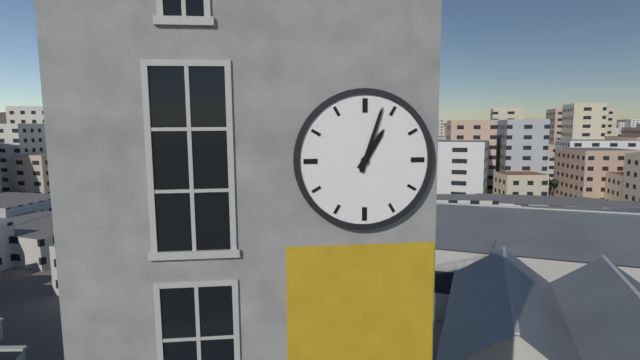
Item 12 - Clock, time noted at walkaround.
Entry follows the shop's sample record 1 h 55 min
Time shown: 1 h 03 min
